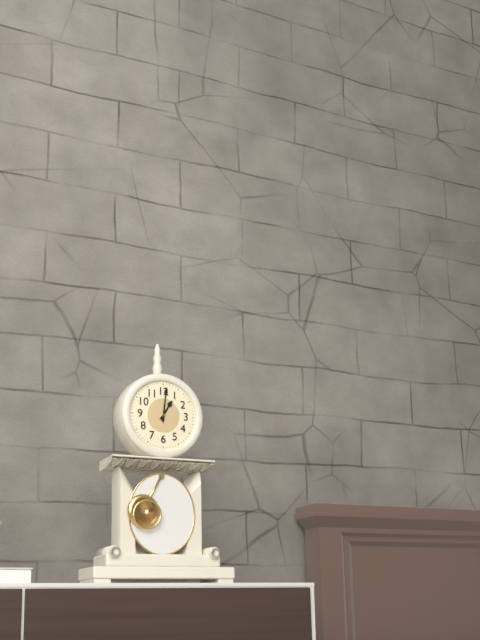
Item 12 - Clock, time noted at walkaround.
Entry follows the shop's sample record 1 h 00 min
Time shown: 1 h 01 min
